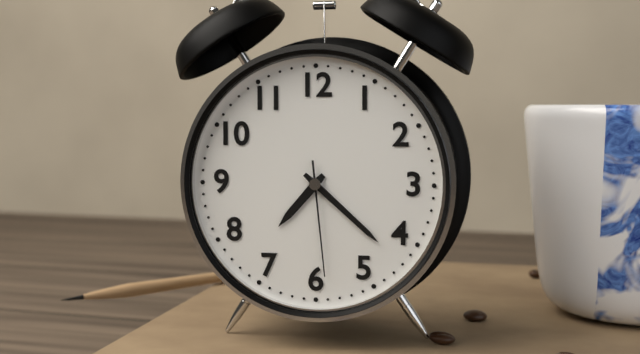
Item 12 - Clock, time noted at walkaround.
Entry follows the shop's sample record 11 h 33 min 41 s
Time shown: 7 h 22 min 29 s
